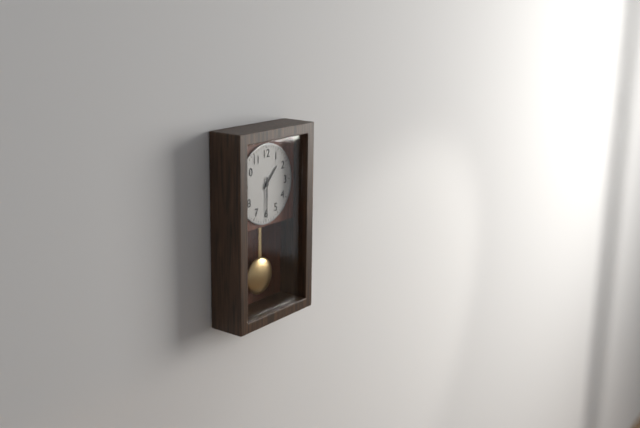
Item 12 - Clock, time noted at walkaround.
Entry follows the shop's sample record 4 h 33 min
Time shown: 1 h 30 min
